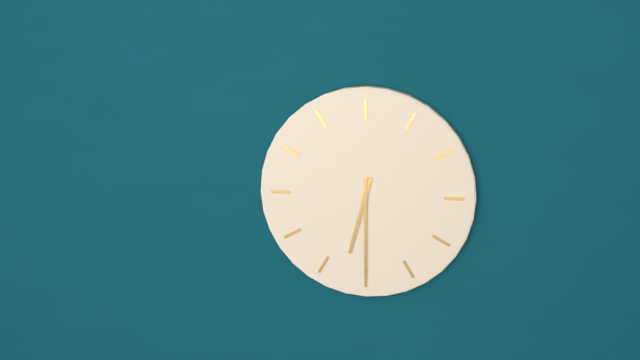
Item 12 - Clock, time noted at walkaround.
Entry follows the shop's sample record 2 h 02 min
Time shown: 6 h 30 min
